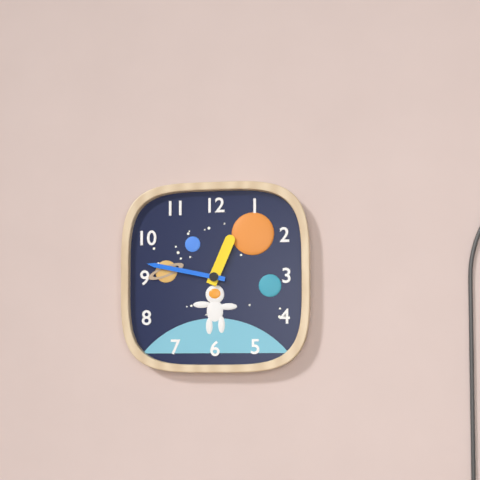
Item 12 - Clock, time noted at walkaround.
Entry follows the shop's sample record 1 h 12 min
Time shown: 12 h 47 min
